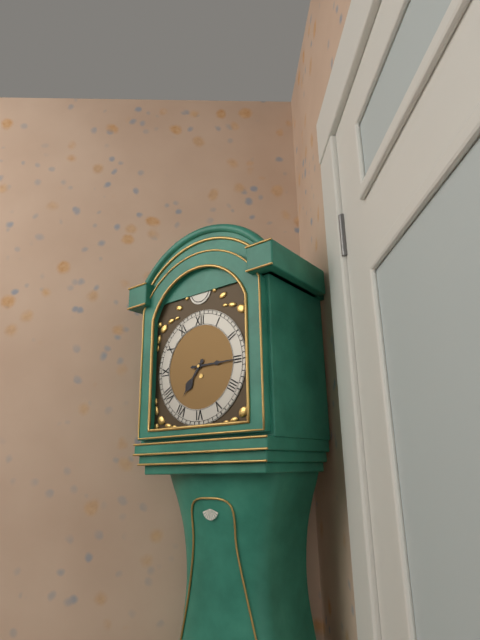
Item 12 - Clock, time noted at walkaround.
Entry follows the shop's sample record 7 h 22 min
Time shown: 7 h 15 min
